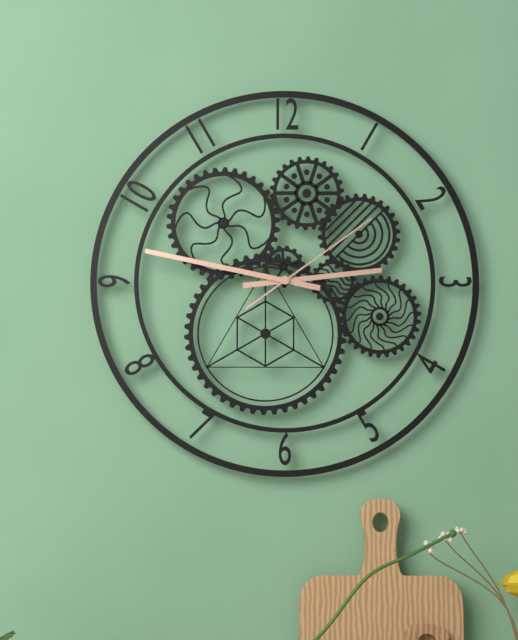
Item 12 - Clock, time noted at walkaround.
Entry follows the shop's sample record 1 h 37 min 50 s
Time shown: 2 h 47 min 09 s
